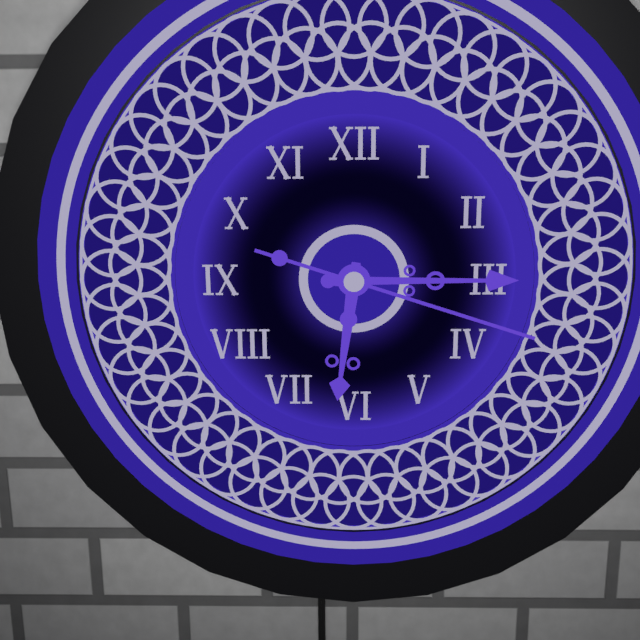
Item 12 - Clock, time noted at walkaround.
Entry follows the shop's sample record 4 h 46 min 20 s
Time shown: 6 h 15 min 18 s
